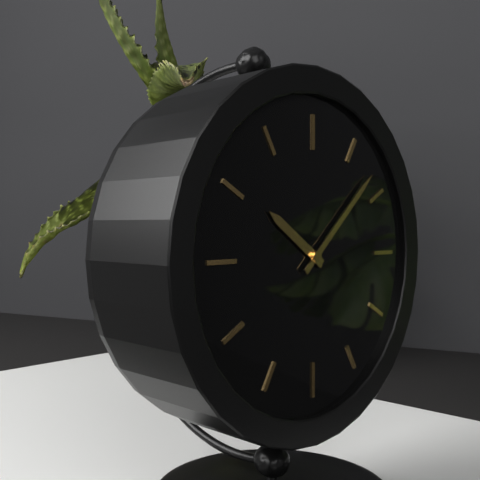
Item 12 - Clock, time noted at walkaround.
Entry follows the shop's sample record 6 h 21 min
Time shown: 10 h 08 min
